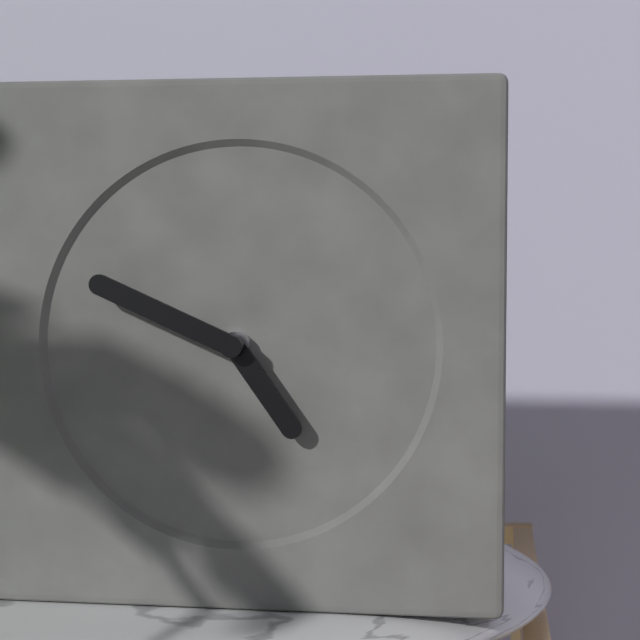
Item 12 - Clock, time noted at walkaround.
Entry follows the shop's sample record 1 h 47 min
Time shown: 4 h 49 min
